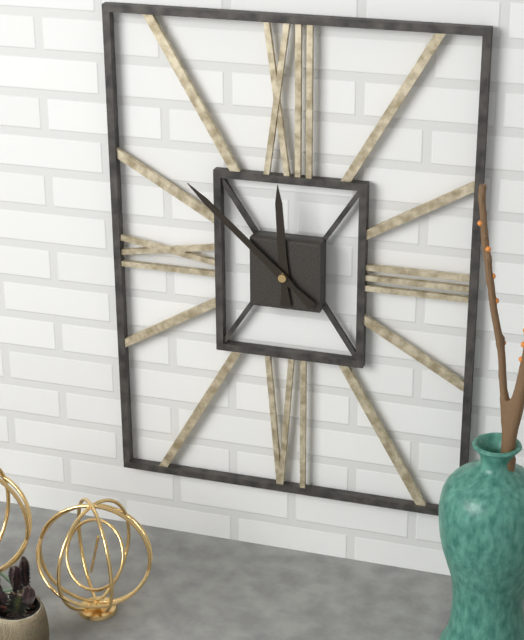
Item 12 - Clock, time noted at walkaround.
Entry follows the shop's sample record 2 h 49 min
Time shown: 11 h 52 min
